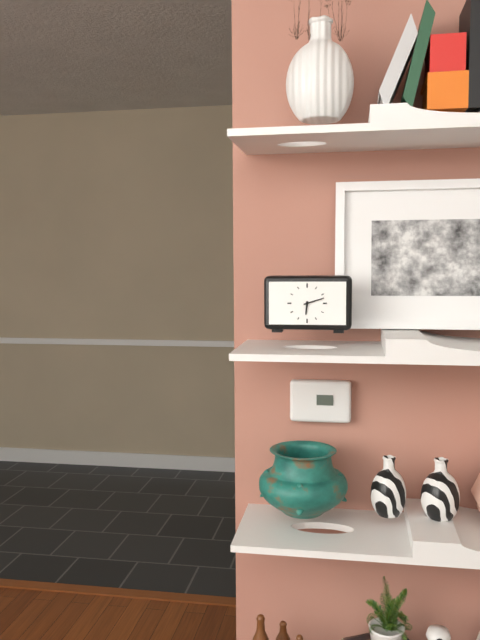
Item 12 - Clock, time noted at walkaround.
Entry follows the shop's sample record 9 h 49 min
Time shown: 6 h 12 min
